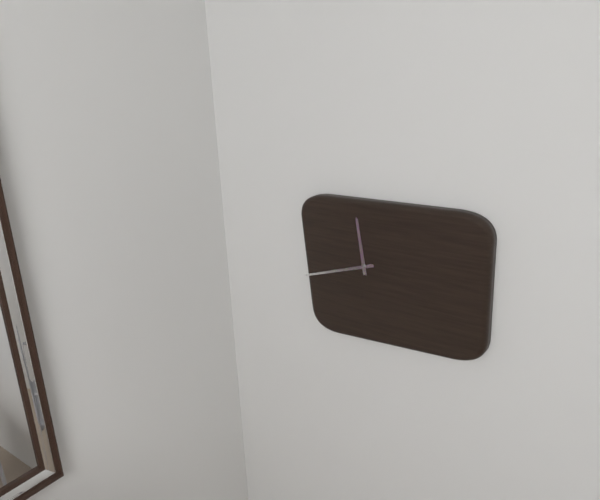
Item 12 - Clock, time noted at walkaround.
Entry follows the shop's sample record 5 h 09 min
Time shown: 11 h 42 min
